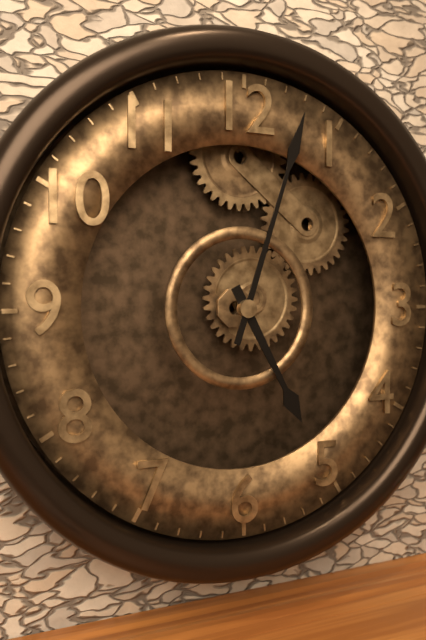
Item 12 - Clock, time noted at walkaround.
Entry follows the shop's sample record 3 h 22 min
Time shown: 5 h 03 min
